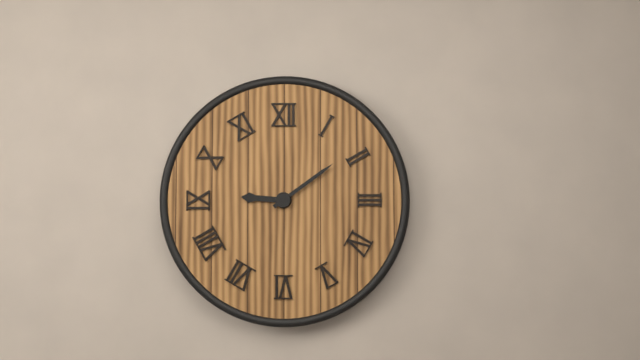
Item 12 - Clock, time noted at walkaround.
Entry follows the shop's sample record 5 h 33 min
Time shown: 9 h 09 min
